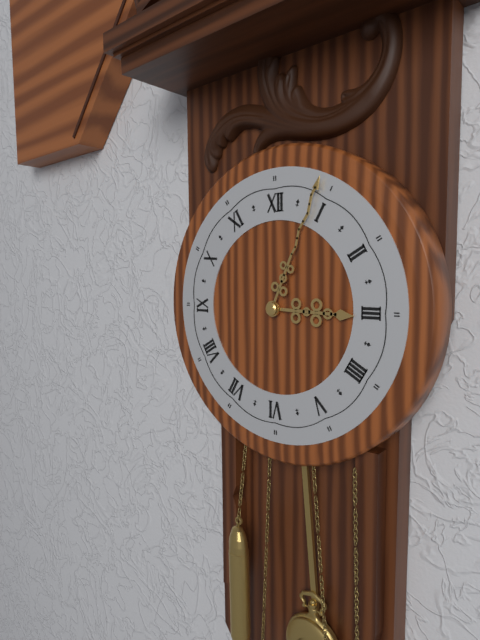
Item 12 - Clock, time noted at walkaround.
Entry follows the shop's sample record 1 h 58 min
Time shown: 3 h 04 min
